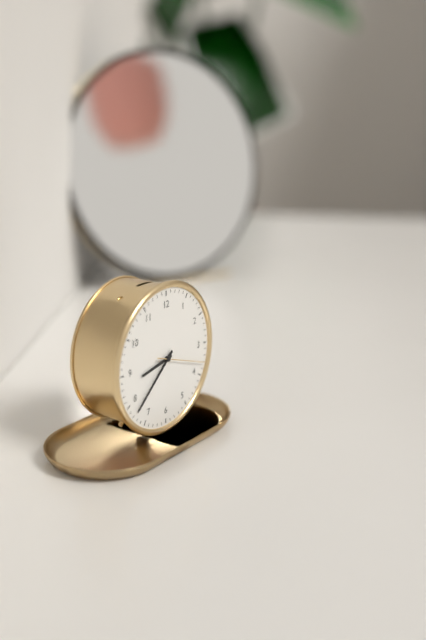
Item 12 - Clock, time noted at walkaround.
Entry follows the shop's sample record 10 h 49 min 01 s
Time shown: 8 h 38 min 18 s
